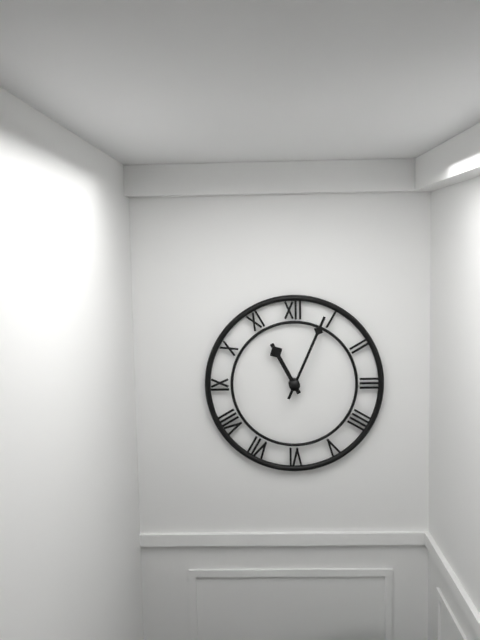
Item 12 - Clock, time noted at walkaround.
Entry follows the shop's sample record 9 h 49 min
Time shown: 11 h 04 min
